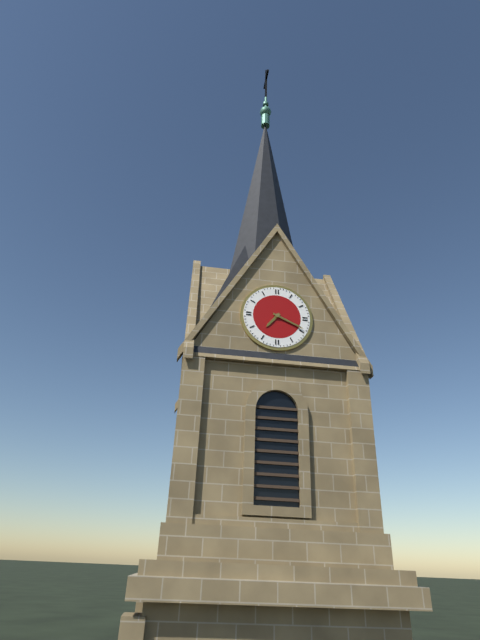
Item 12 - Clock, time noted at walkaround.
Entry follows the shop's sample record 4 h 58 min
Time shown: 7 h 19 min
